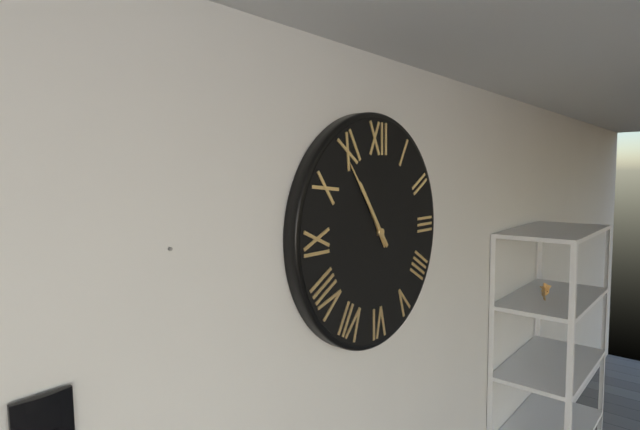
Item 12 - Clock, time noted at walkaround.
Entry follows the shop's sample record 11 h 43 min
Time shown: 10 h 54 min
